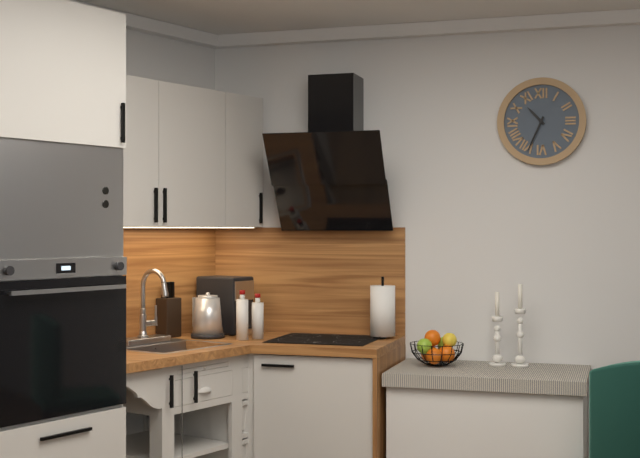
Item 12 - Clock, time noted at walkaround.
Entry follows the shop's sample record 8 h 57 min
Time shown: 10 h 34 min
